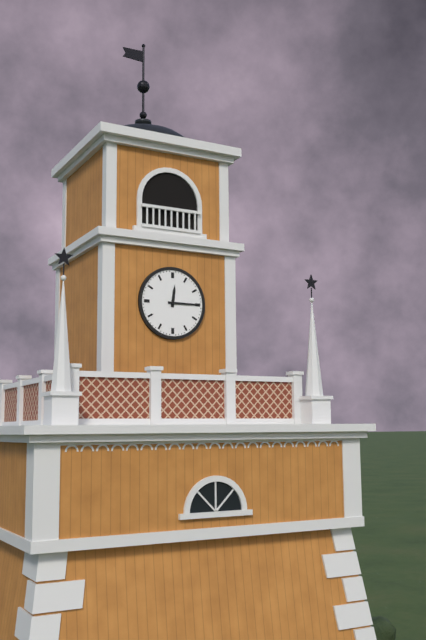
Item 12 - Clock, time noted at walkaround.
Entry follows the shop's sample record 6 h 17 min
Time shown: 12 h 15 min
